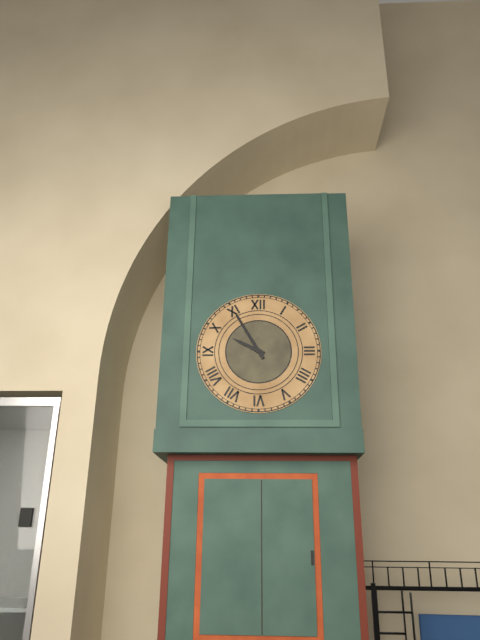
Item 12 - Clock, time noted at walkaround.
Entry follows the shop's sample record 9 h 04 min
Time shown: 9 h 55 min
